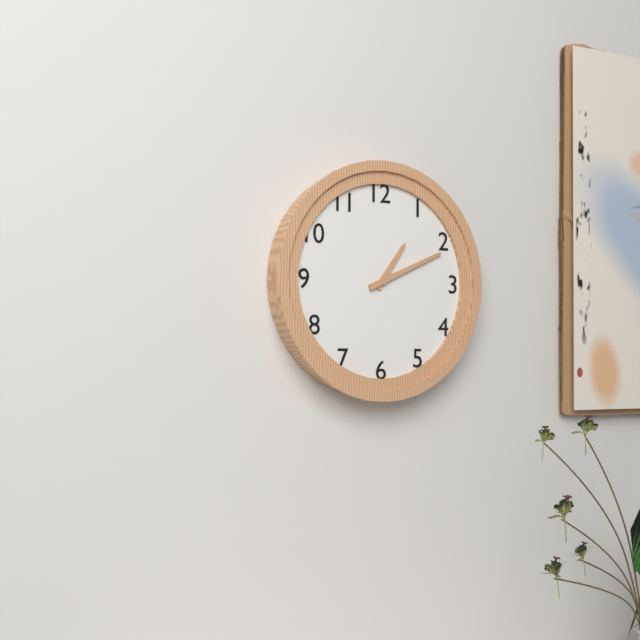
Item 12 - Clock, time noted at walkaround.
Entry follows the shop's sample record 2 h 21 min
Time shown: 1 h 11 min
